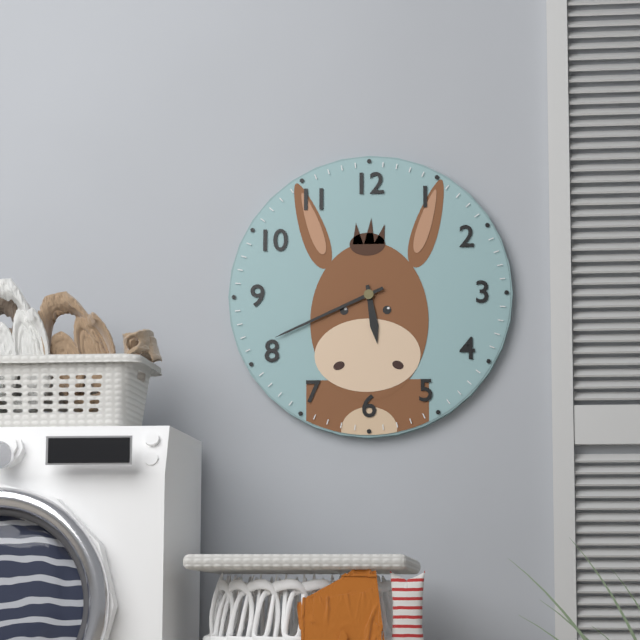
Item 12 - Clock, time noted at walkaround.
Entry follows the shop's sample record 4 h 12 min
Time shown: 5 h 41 min
